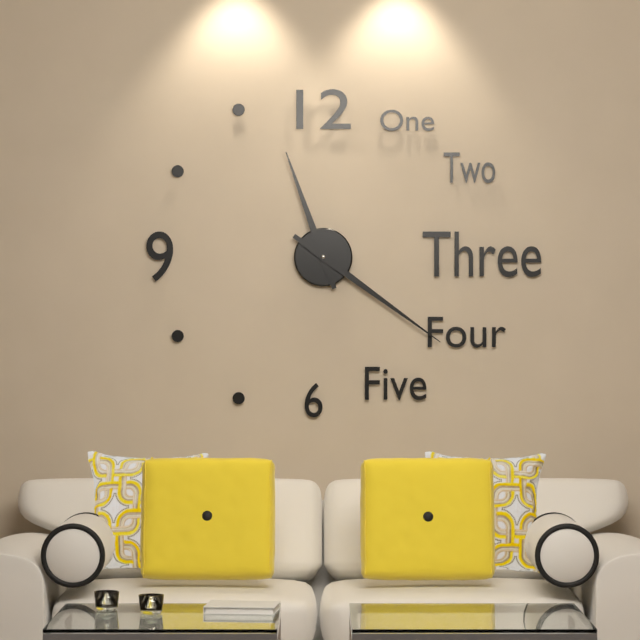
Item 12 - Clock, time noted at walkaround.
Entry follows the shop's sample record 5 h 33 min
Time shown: 11 h 21 min
